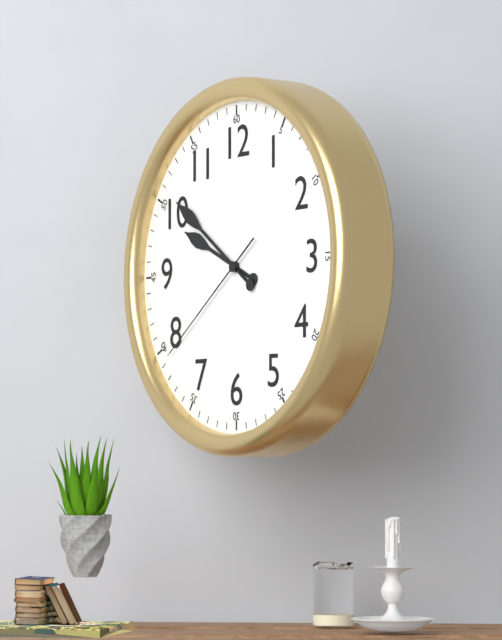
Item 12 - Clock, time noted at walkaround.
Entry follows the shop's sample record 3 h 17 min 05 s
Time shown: 9 h 51 min 39 s
